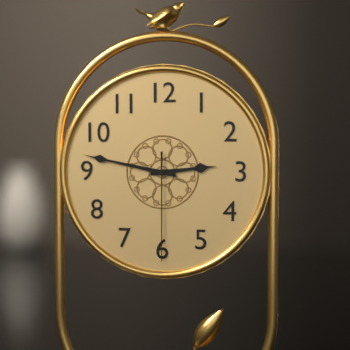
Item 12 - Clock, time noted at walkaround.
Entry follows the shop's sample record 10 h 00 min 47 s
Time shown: 2 h 47 min 30 s
